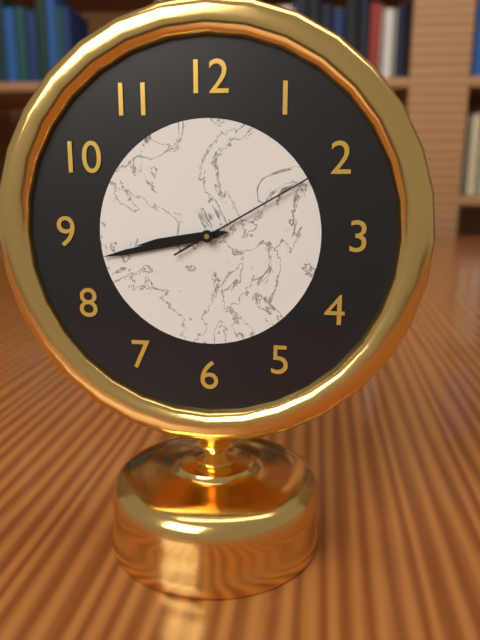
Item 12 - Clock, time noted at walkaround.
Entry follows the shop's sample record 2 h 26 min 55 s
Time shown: 8 h 43 min 10 s
